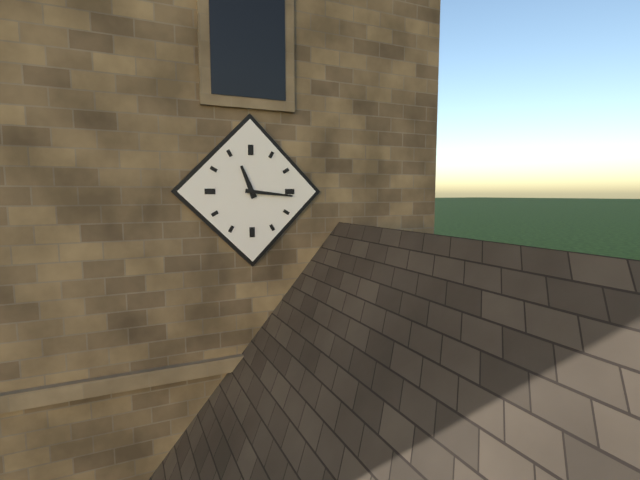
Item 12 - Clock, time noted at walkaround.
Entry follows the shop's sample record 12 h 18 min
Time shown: 11 h 16 min
